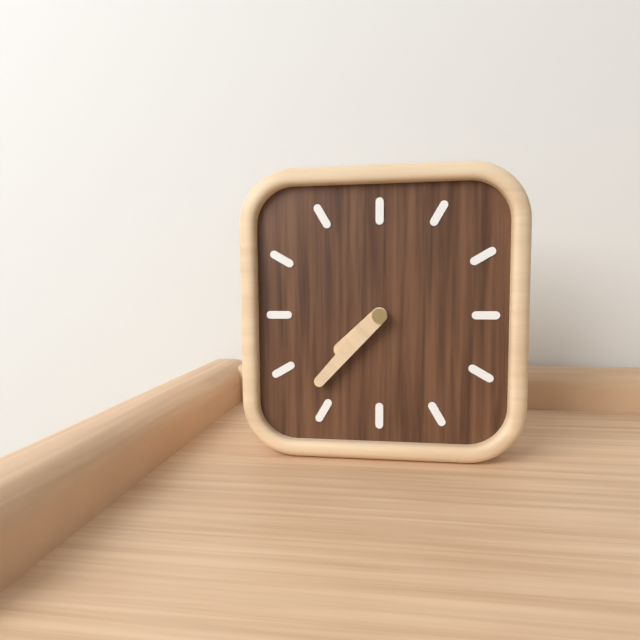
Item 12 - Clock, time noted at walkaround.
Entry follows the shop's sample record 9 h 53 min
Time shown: 7 h 37 min
